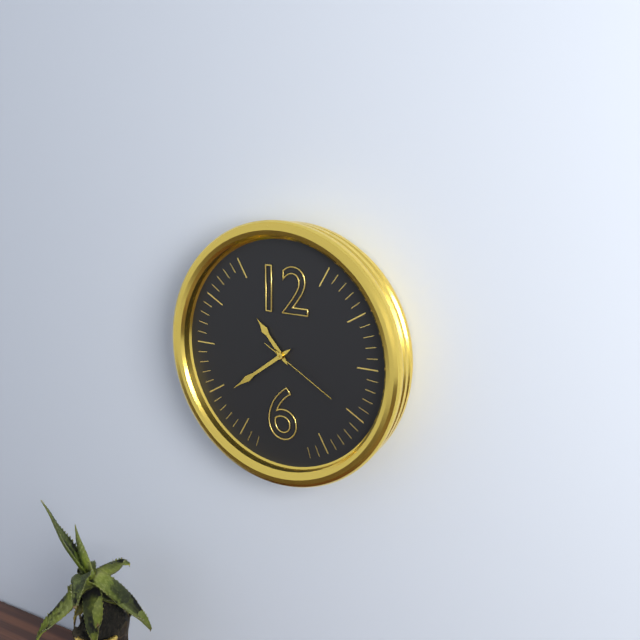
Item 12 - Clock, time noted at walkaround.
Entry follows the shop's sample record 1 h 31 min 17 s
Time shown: 10 h 39 min 20 s
